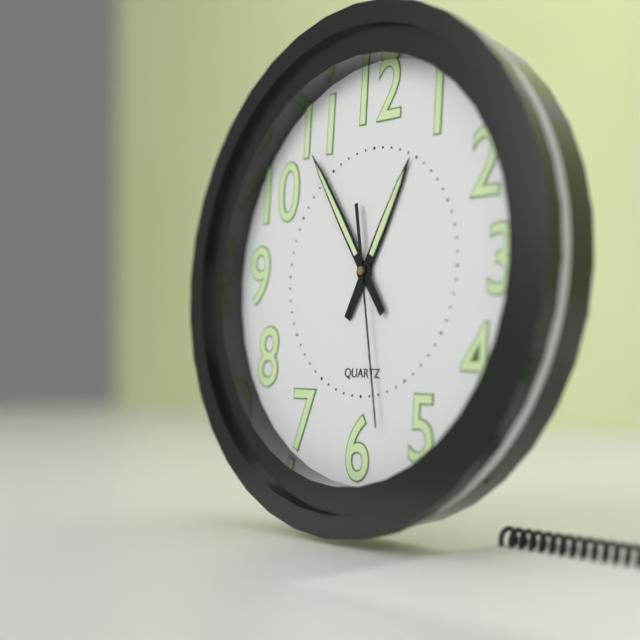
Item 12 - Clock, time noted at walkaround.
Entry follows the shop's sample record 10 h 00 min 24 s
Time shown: 12 h 54 min 28 s
